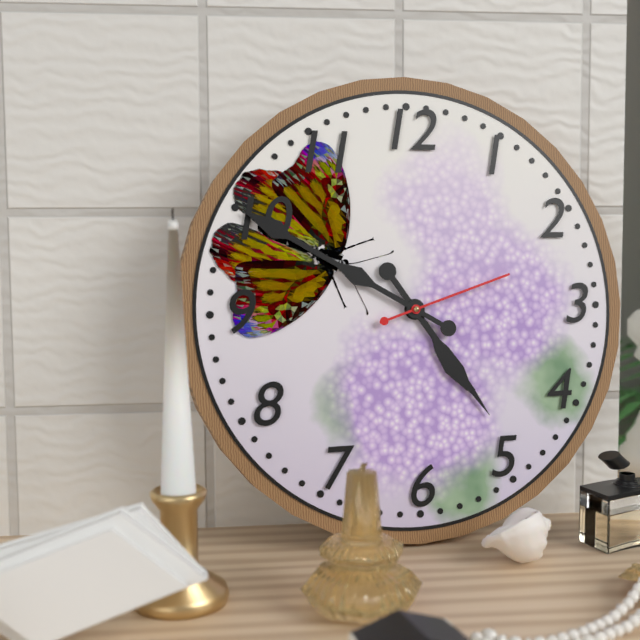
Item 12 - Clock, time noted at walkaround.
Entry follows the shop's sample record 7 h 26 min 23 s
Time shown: 4 h 50 min 12 s
